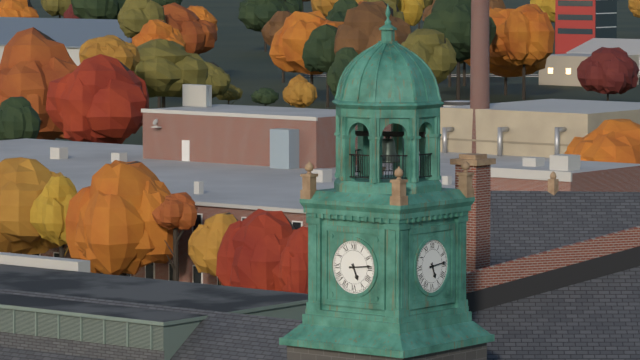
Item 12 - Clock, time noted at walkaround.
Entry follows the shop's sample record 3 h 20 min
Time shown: 5 h 14 min
